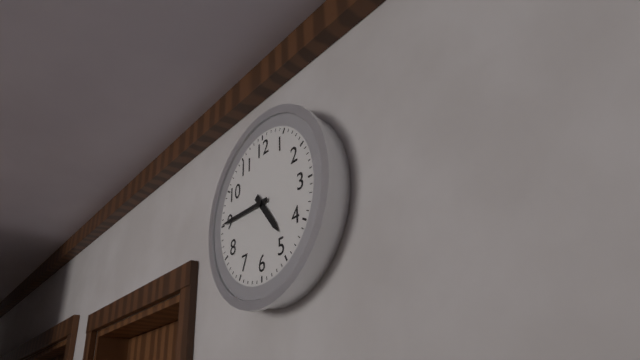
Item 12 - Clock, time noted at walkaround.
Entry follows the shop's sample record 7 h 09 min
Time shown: 4 h 45 min
